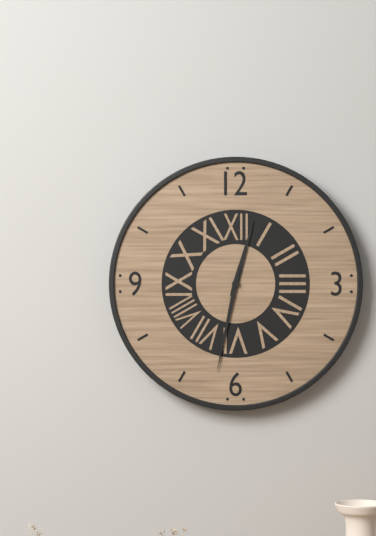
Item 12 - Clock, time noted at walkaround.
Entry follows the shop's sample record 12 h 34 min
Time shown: 12 h 32 min
